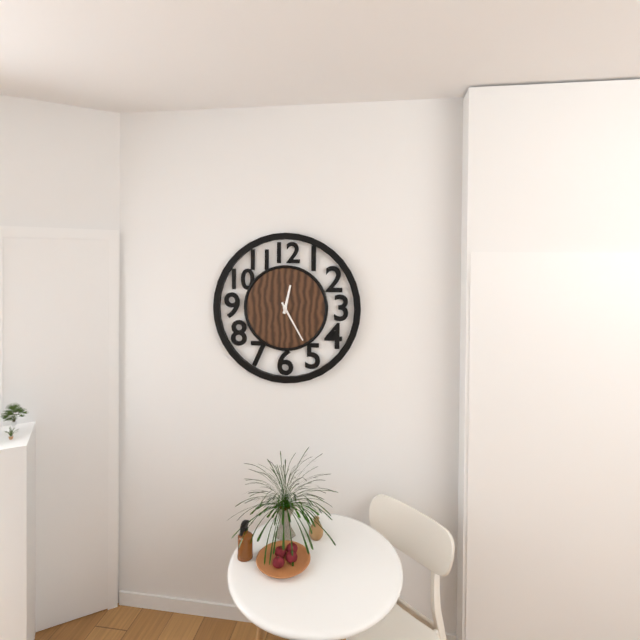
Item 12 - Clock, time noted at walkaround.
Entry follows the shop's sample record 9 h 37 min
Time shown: 12 h 25 min
